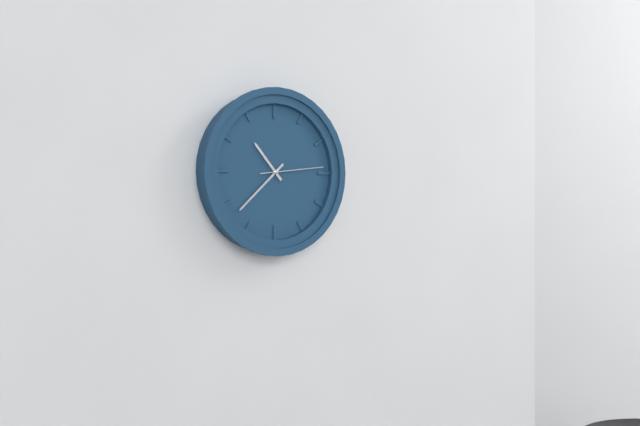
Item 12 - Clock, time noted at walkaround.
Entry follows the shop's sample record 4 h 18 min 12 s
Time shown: 10 h 38 min 14 s
